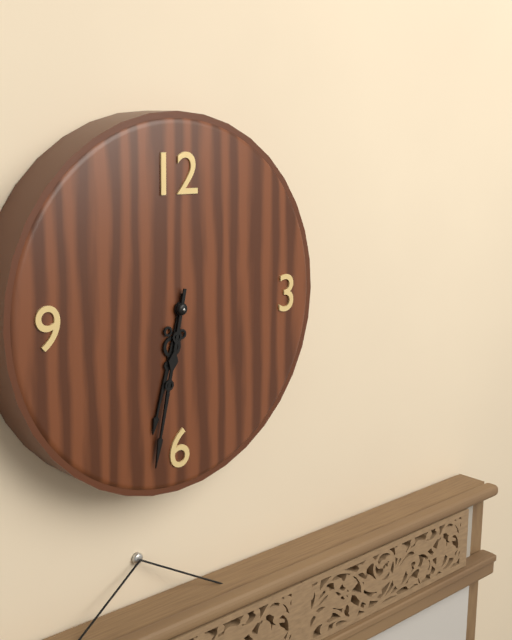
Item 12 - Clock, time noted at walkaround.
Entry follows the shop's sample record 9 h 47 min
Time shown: 6 h 32 min
